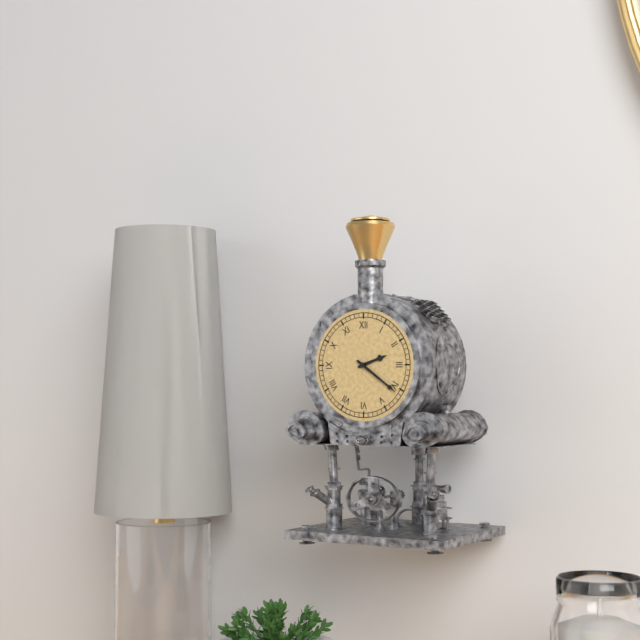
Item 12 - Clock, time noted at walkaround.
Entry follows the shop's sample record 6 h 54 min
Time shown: 2 h 21 min
